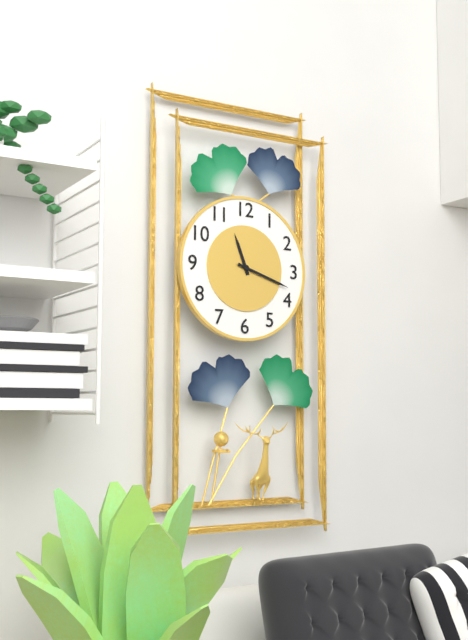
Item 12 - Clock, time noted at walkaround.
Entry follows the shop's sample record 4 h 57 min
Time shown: 11 h 18 min
